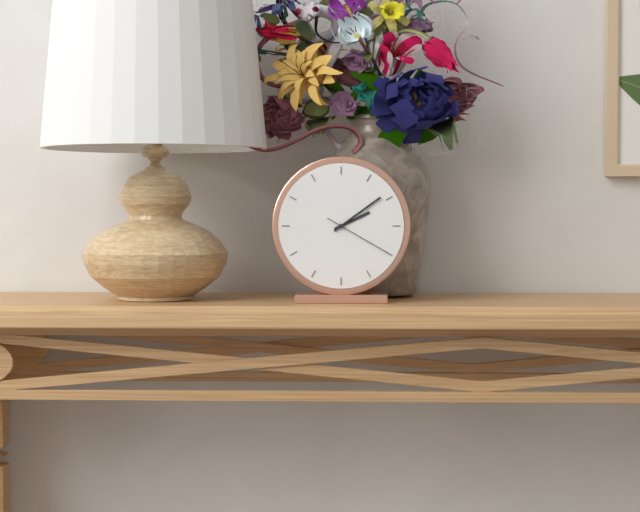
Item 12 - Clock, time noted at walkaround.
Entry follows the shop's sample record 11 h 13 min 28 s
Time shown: 2 h 09 min 20 s
